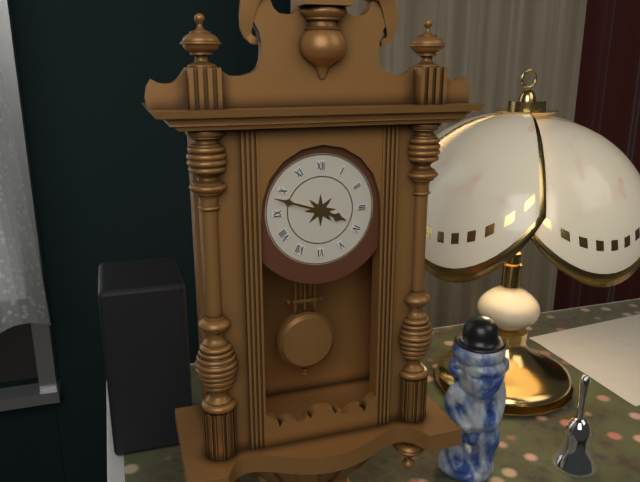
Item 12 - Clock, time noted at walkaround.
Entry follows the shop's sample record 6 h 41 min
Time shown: 3 h 48 min
